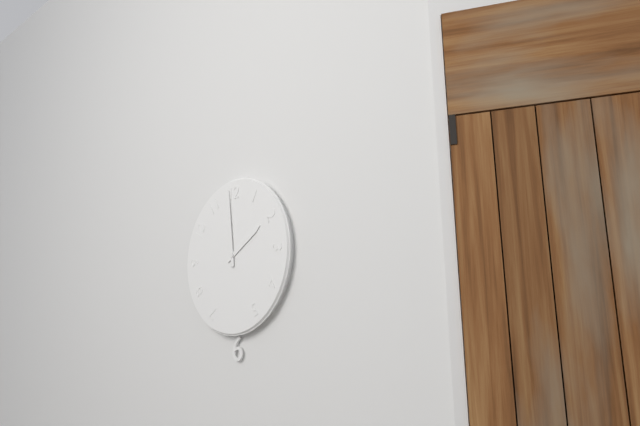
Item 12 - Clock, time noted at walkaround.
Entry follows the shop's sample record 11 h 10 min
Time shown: 1 h 59 min
